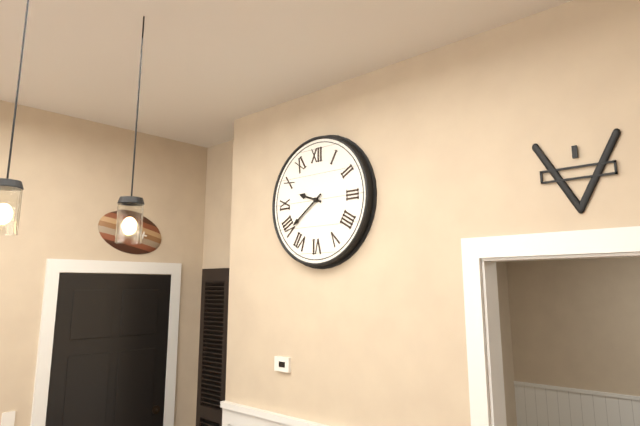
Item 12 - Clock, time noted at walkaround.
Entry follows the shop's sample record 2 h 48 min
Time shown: 9 h 39 min
